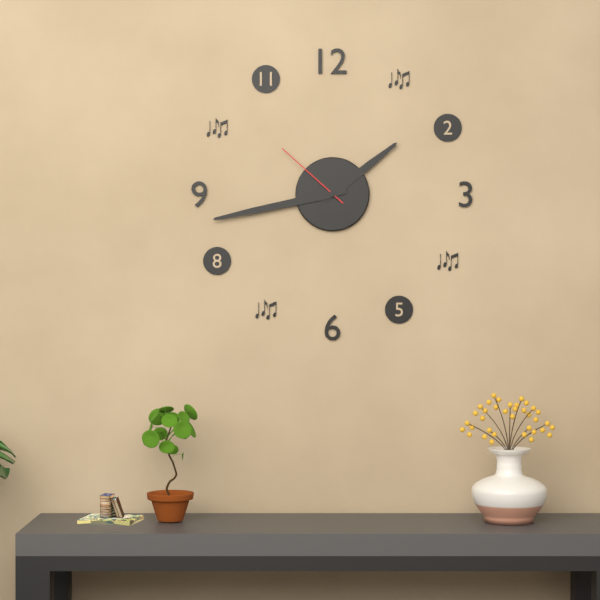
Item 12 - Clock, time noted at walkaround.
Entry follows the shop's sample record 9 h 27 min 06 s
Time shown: 1 h 43 min 52 s
